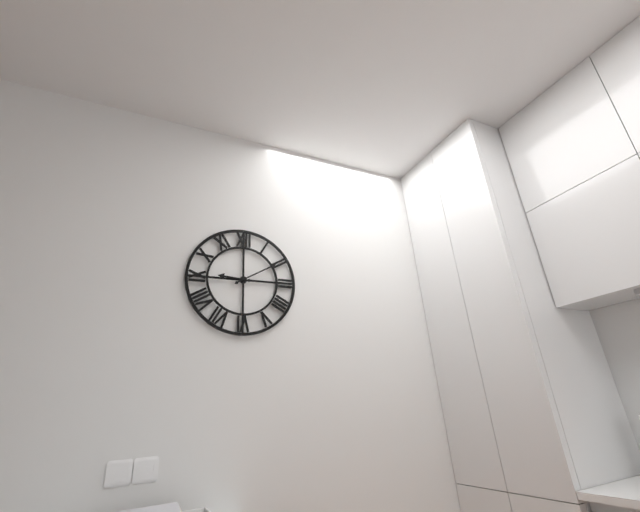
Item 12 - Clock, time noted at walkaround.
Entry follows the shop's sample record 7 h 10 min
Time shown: 9 h 10 min
